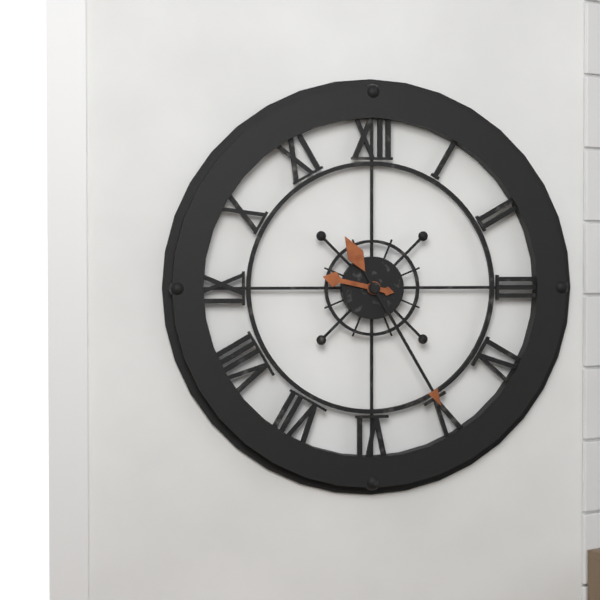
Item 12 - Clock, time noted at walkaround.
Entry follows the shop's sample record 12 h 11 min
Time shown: 9 h 25 min
